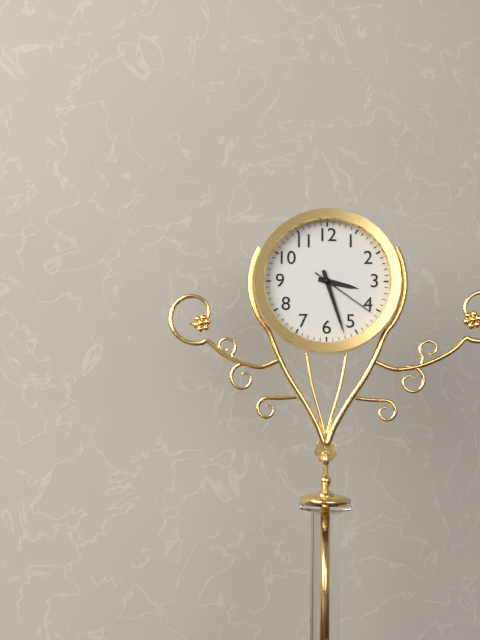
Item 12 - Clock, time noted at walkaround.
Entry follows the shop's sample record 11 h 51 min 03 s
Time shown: 3 h 27 min 21 s
